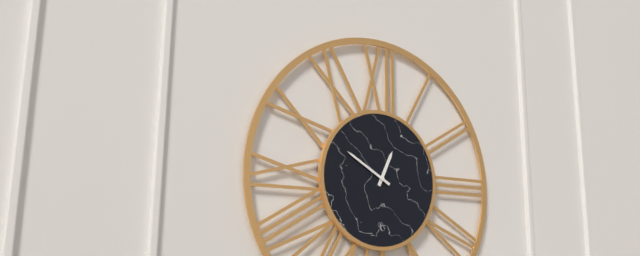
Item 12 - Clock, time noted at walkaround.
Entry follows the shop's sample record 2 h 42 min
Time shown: 12 h 50 min
